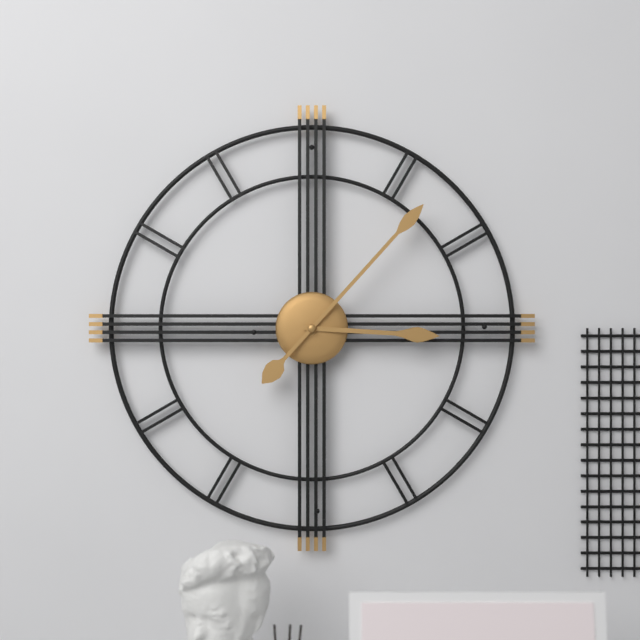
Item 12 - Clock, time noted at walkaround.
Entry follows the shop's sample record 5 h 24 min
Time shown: 3 h 07 min
